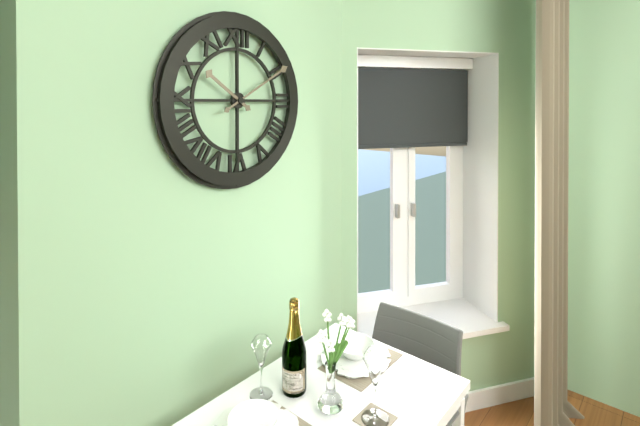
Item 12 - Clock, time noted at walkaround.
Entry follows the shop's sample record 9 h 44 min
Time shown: 10 h 10 min
